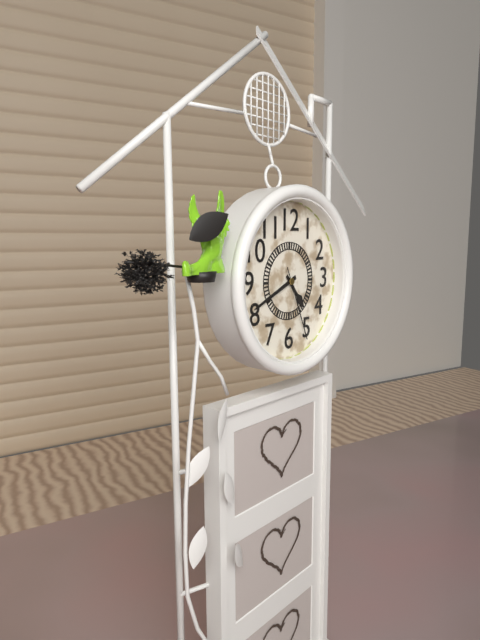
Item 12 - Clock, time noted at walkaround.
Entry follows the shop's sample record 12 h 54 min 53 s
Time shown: 4 h 41 min 26 s
